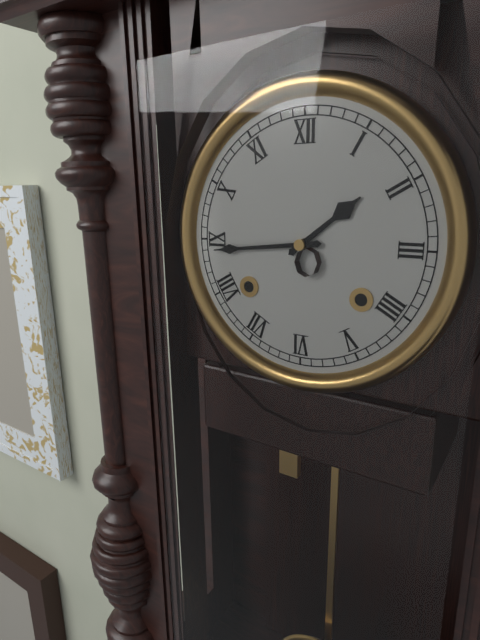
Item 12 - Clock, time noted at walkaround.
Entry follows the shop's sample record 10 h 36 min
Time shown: 1 h 44 min
